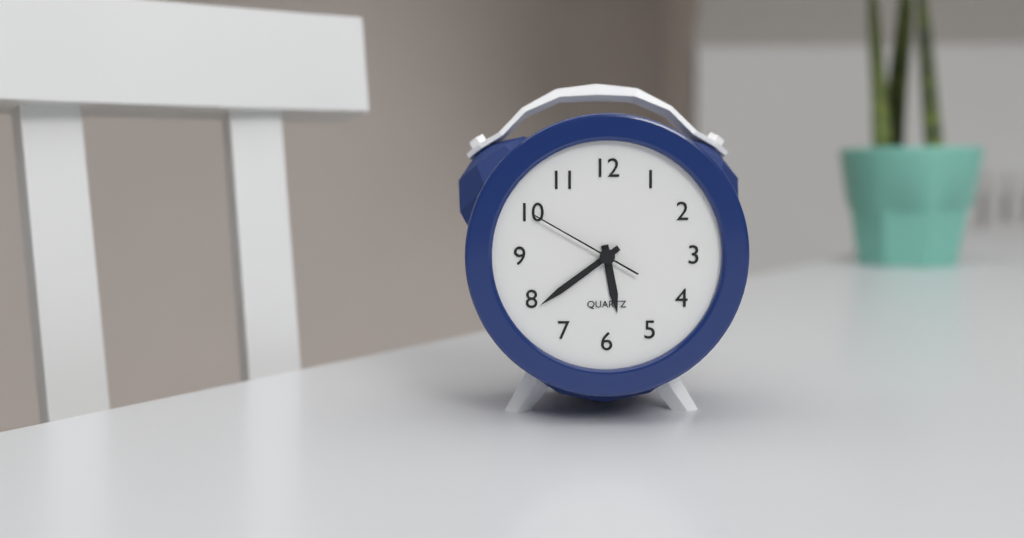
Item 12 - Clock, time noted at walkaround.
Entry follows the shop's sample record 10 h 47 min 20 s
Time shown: 5 h 39 min 50 s
